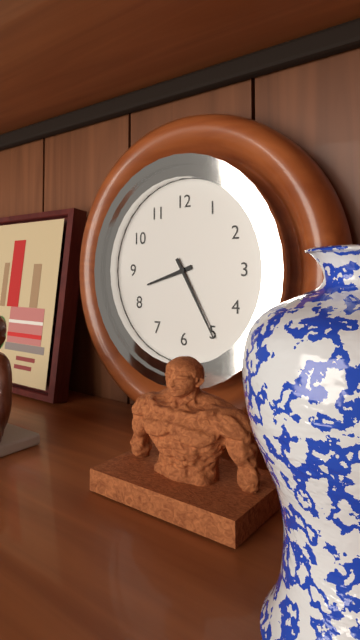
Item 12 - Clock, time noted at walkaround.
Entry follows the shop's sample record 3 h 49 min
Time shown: 8 h 25 min
